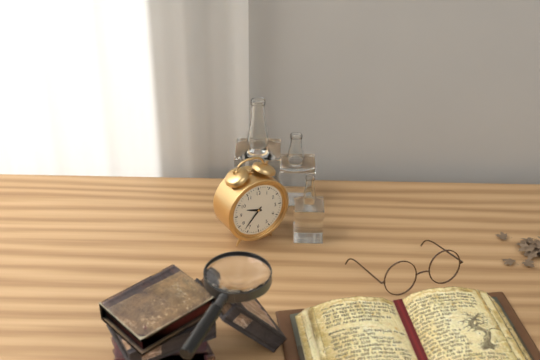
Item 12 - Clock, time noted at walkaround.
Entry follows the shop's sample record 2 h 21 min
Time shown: 9 h 37 min
